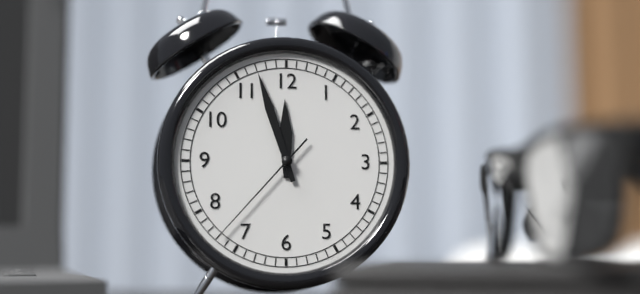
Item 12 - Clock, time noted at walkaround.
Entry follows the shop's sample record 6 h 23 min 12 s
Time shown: 11 h 57 min 37 s
